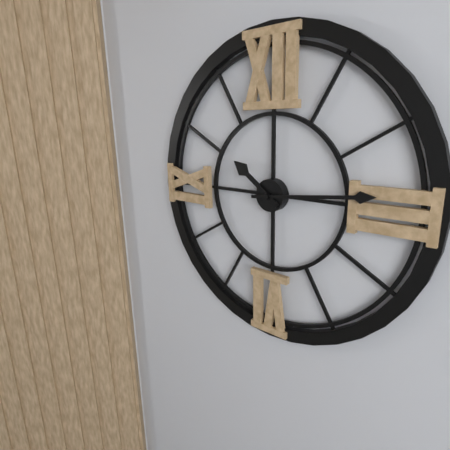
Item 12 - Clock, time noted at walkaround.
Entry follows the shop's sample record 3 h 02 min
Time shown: 10 h 14 min
